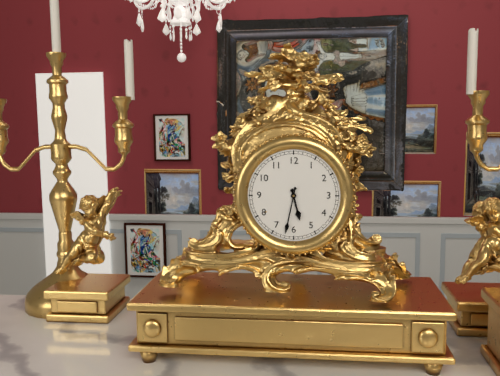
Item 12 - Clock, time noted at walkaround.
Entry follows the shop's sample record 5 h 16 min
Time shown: 5 h 32 min
